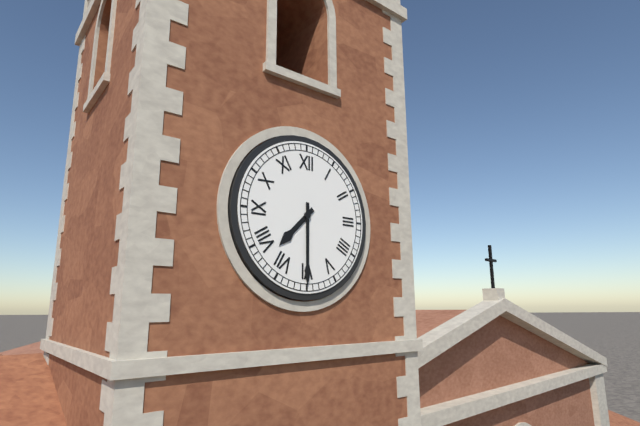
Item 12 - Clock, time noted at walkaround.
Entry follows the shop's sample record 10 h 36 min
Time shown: 7 h 30 min
